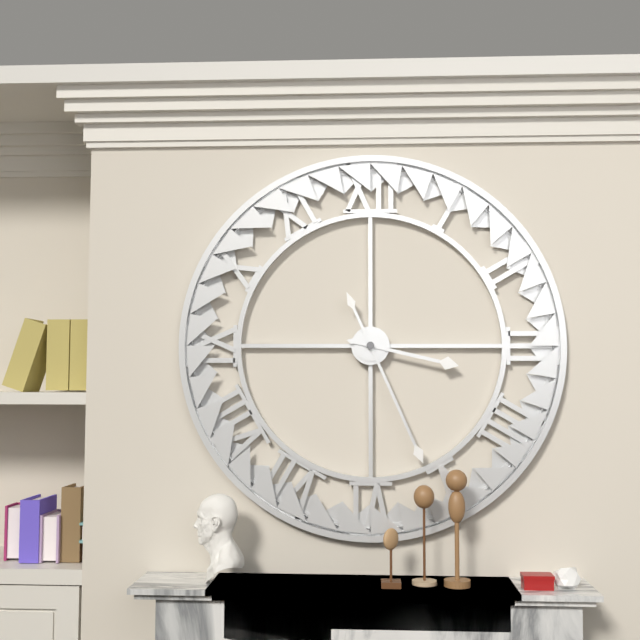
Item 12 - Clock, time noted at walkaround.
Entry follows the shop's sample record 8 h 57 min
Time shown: 3 h 26 min
